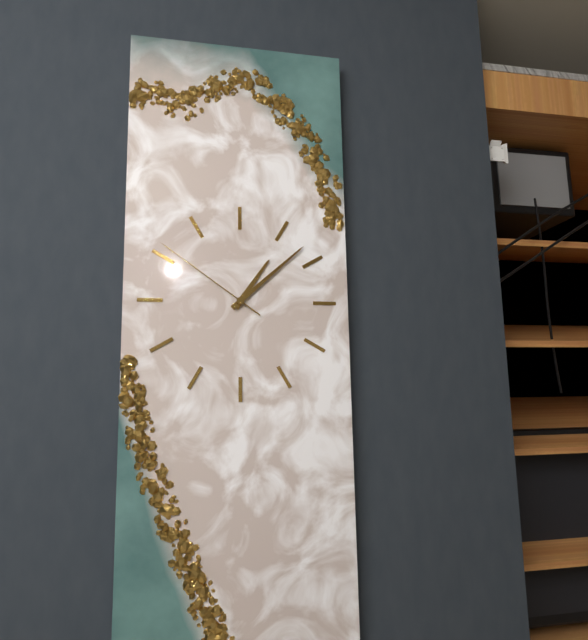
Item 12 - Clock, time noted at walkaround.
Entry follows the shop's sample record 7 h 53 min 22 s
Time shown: 1 h 08 min 51 s
